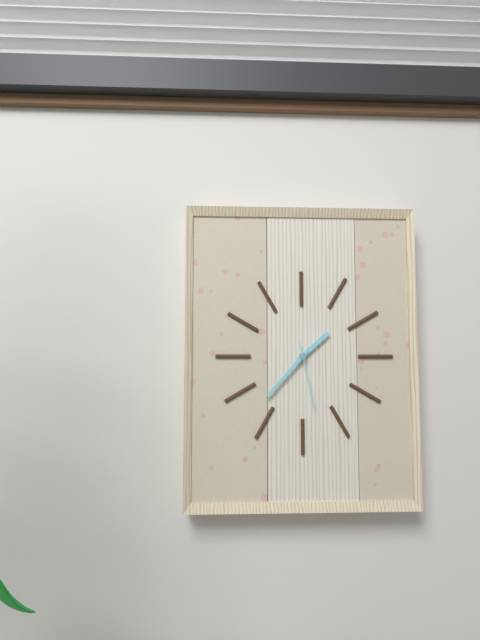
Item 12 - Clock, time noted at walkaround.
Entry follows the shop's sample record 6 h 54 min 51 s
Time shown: 1 h 37 min 28 s
